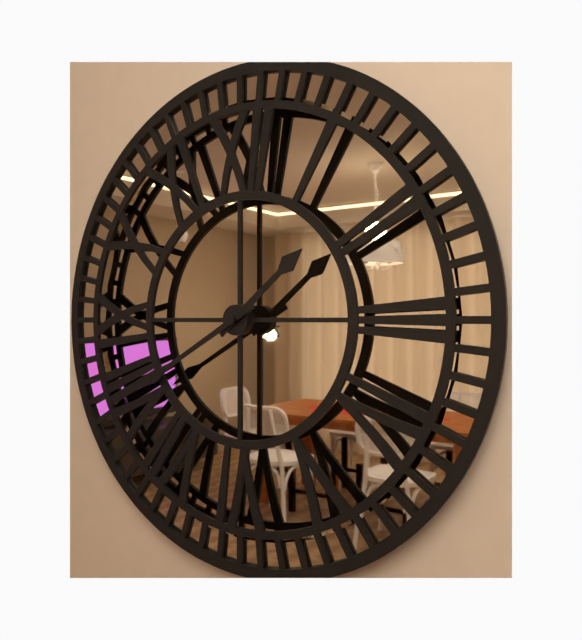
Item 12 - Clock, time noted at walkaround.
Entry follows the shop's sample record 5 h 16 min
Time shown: 1 h 40 min
